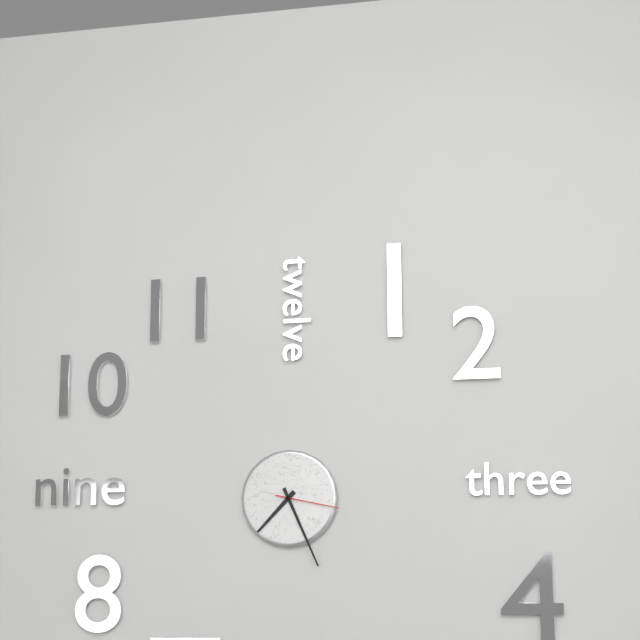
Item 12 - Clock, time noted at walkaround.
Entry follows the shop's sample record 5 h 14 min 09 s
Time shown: 7 h 26 min 17 s
